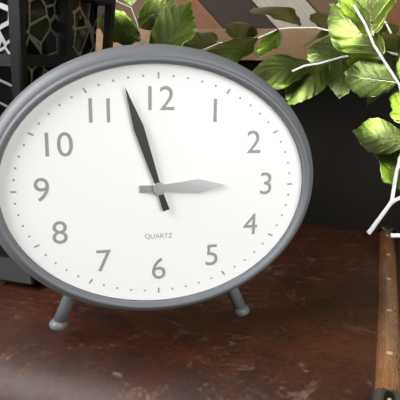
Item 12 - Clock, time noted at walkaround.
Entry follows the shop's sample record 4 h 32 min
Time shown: 2 h 57 min
